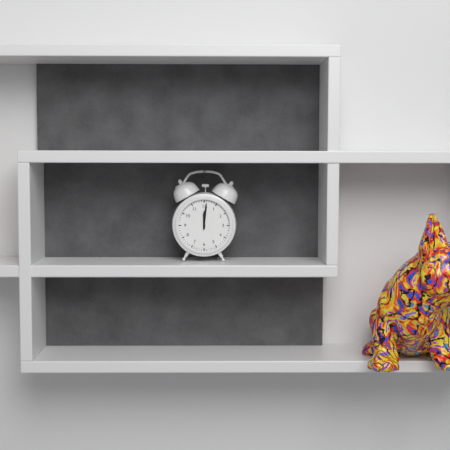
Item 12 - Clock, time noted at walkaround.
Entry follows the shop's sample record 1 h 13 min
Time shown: 12 h 01 min
